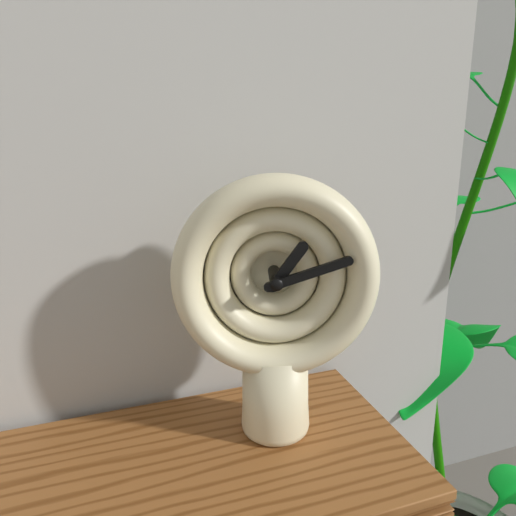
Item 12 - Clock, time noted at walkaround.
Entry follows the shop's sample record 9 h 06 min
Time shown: 1 h 12 min
